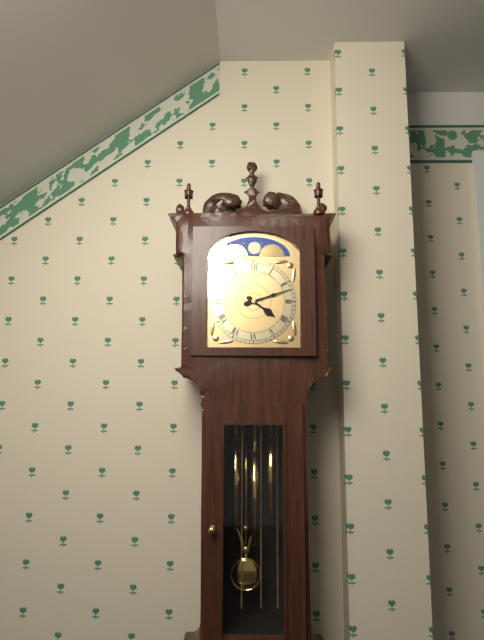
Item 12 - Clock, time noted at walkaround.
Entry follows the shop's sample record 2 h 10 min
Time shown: 4 h 12 min
